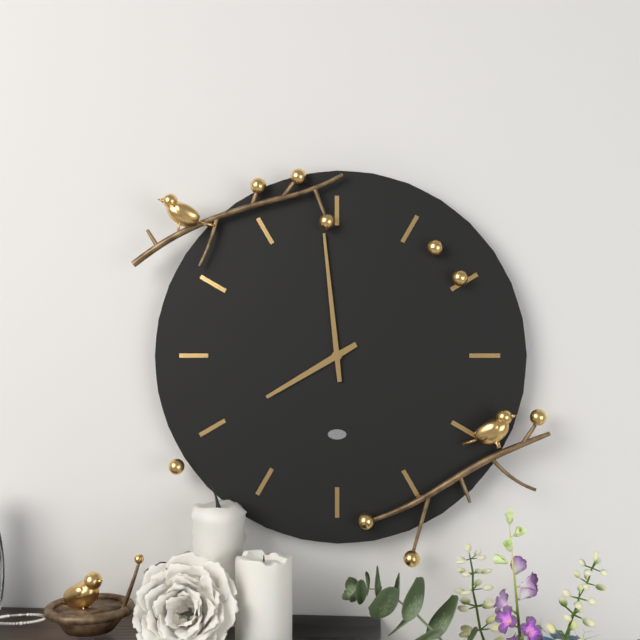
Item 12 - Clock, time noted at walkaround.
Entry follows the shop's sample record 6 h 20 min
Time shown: 7 h 59 min
